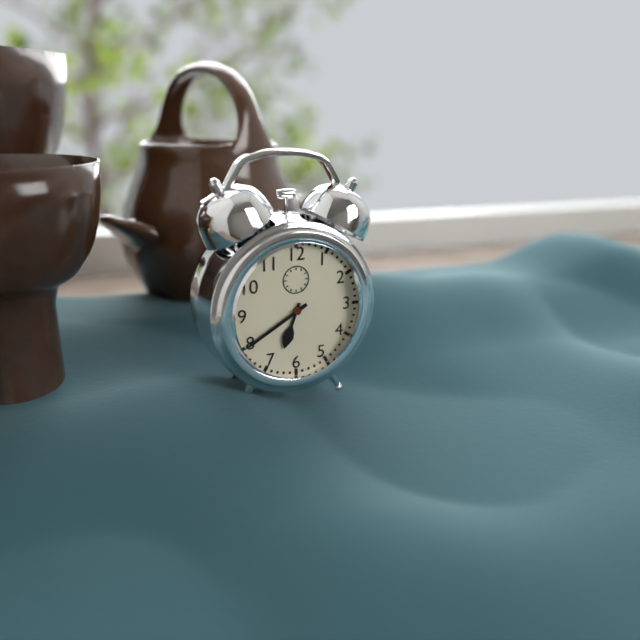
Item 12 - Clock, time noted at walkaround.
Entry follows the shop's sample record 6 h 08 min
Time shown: 6 h 40 min
